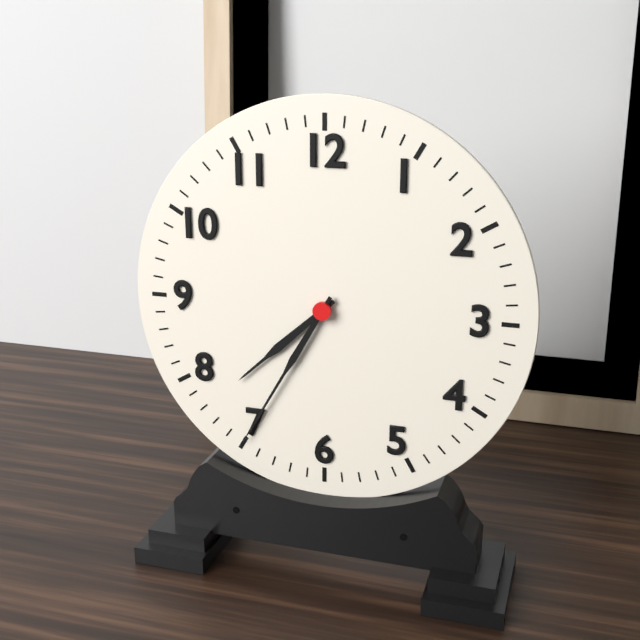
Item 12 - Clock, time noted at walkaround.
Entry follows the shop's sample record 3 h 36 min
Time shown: 7 h 35 min
